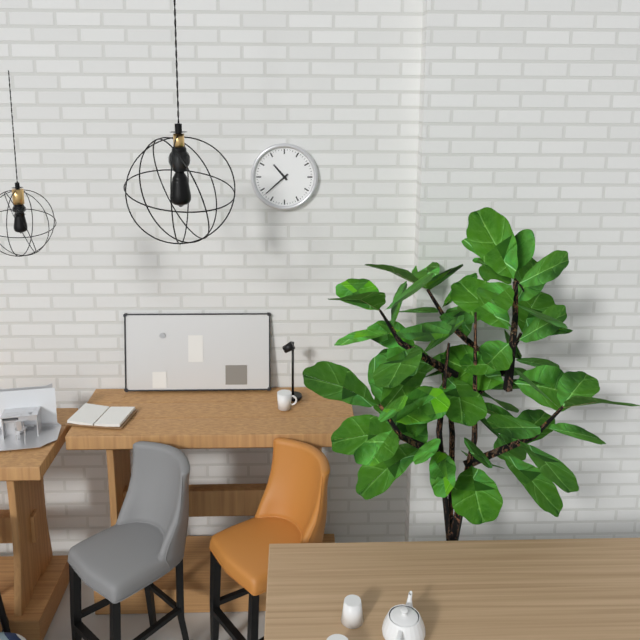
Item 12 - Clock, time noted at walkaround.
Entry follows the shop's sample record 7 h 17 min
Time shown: 10 h 38 min
